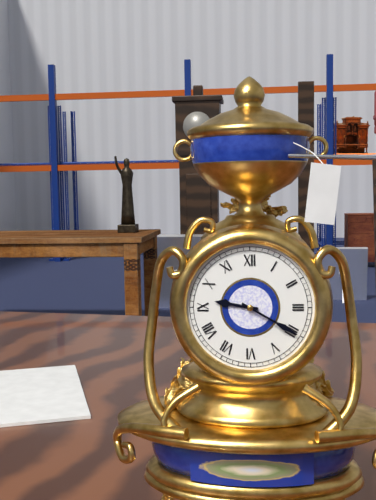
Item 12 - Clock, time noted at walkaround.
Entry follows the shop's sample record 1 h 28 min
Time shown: 9 h 20 min
